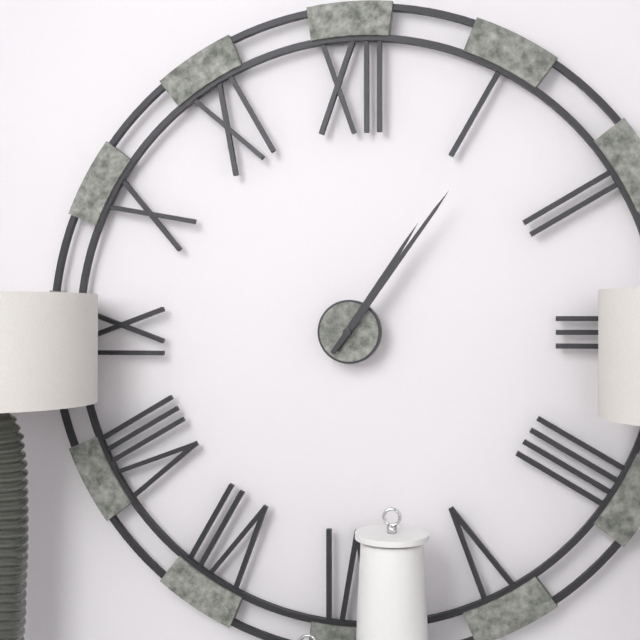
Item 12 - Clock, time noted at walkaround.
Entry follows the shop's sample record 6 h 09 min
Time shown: 1 h 06 min
